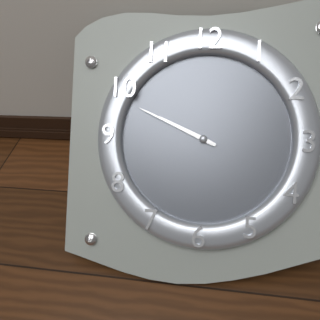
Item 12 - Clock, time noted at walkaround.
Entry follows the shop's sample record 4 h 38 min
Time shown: 9 h 49 min
